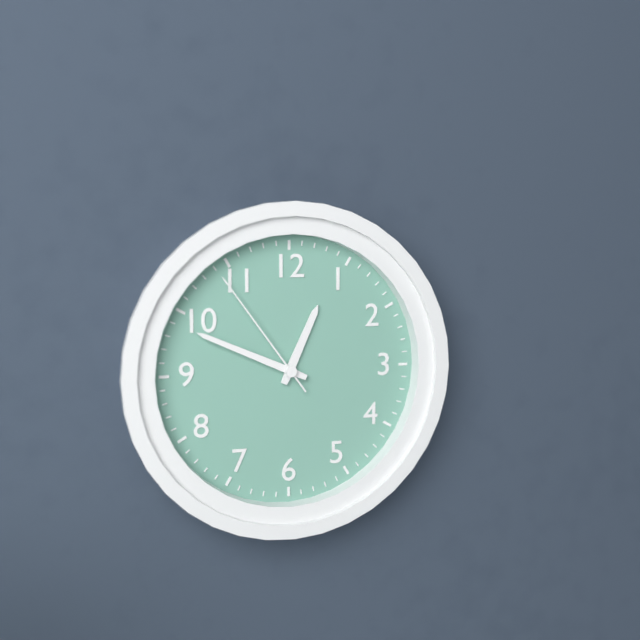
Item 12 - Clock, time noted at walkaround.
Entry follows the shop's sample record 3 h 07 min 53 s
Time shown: 12 h 49 min 54 s
